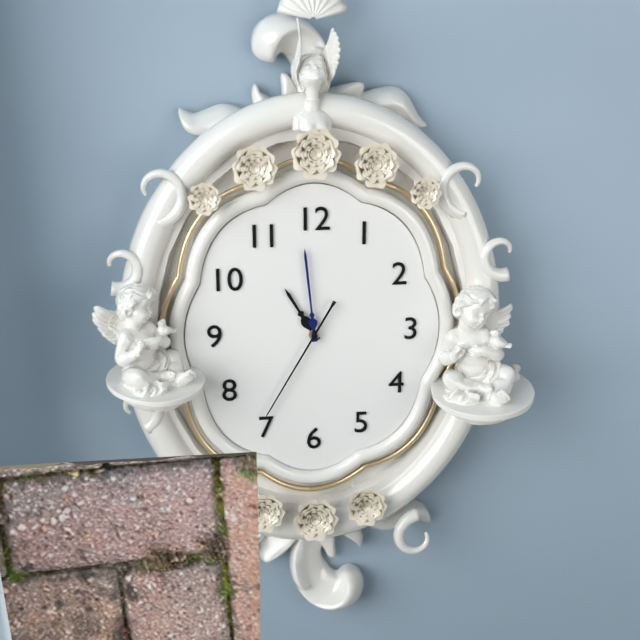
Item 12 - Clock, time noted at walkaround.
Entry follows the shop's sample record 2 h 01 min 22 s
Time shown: 10 h 59 min 35 s
